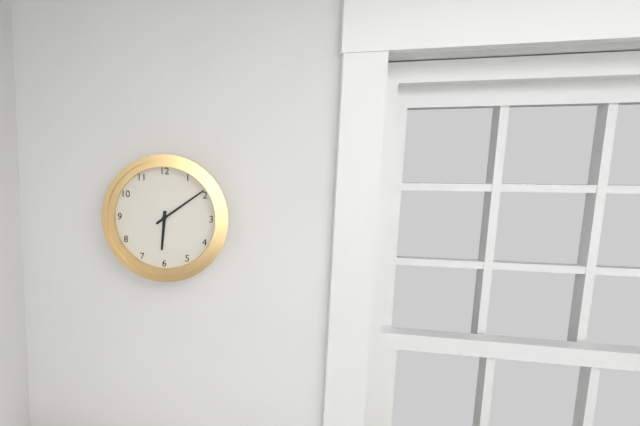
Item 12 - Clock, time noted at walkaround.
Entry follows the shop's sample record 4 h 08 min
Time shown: 6 h 09 min
